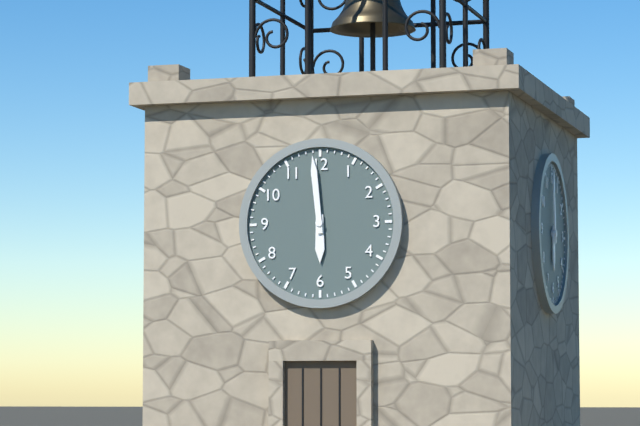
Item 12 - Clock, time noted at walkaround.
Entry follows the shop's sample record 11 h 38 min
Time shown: 5 h 59 min
